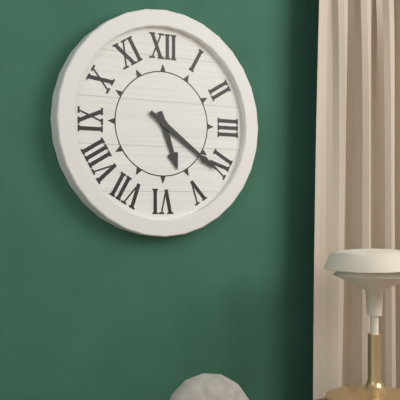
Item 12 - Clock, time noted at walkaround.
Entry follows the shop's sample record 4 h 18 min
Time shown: 5 h 21 min
